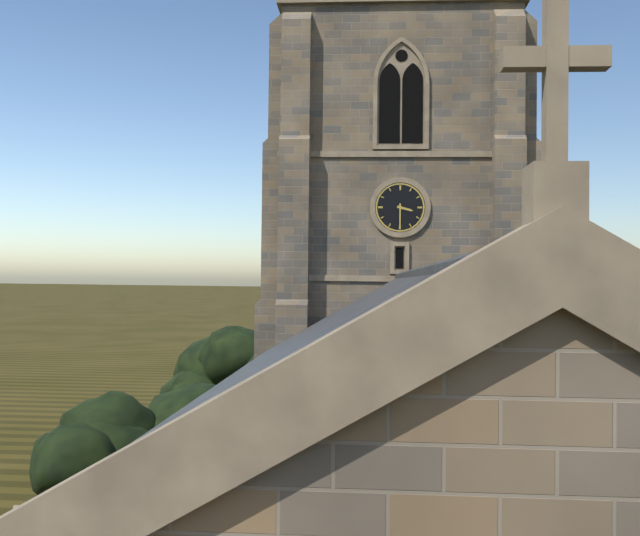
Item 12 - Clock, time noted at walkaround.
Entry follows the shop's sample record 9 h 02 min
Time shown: 3 h 30 min
